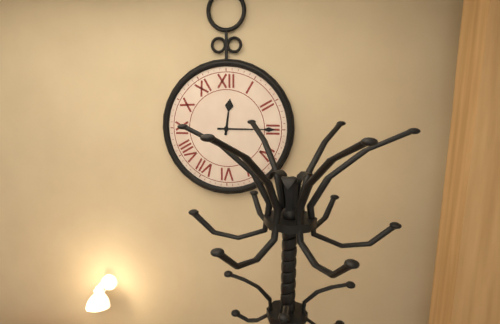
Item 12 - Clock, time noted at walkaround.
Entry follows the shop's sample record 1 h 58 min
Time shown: 12 h 15 min
